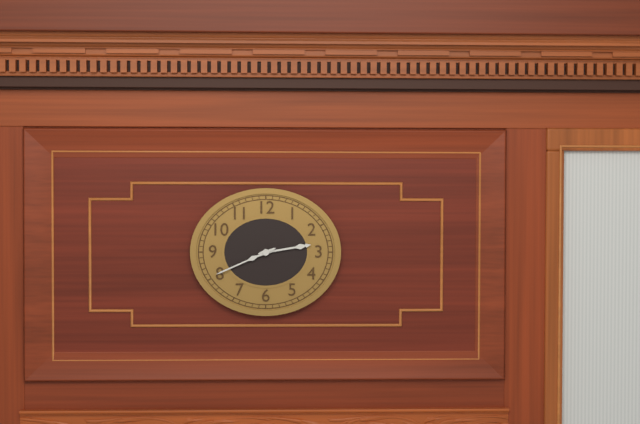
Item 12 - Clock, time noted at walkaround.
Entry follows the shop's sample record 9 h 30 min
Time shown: 2 h 41 min
